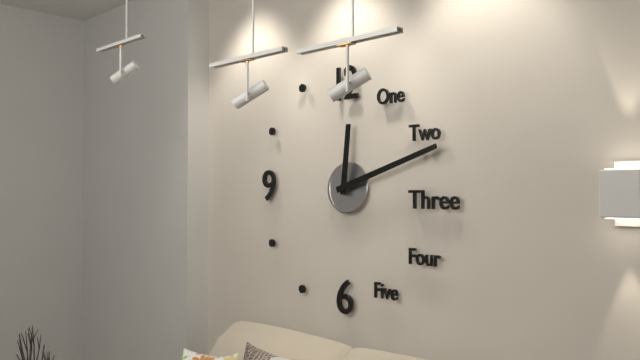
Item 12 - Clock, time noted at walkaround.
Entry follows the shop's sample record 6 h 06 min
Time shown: 12 h 12 min
